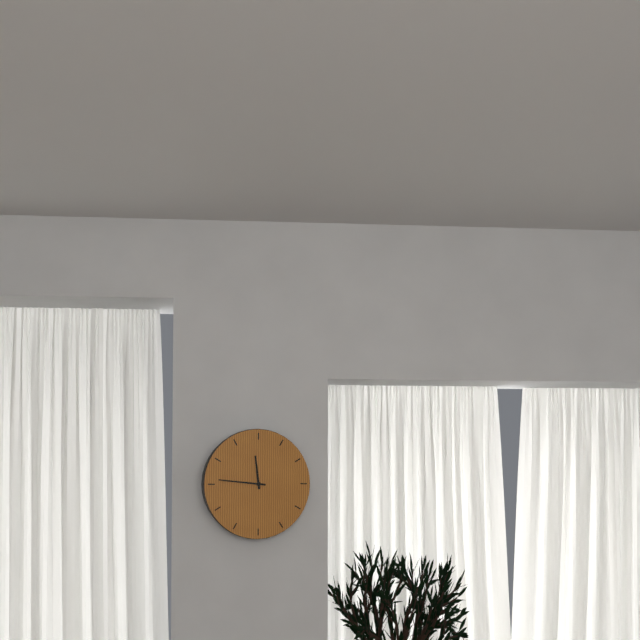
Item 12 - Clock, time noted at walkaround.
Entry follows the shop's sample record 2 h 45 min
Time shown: 11 h 46 min
